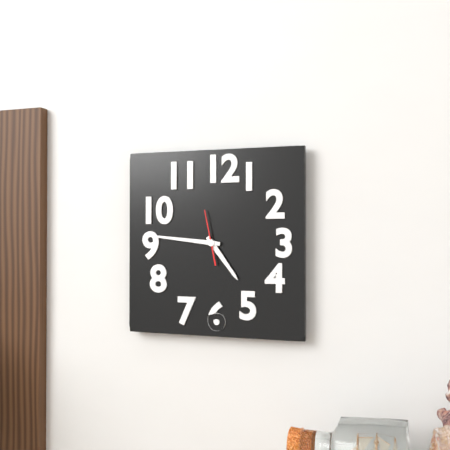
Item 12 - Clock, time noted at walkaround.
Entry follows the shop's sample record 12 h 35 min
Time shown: 4 h 46 min
